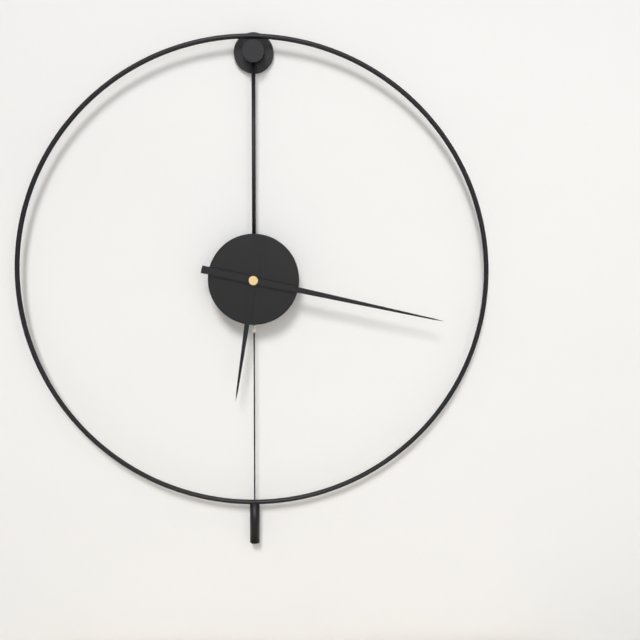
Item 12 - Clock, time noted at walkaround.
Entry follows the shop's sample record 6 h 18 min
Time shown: 6 h 17 min
